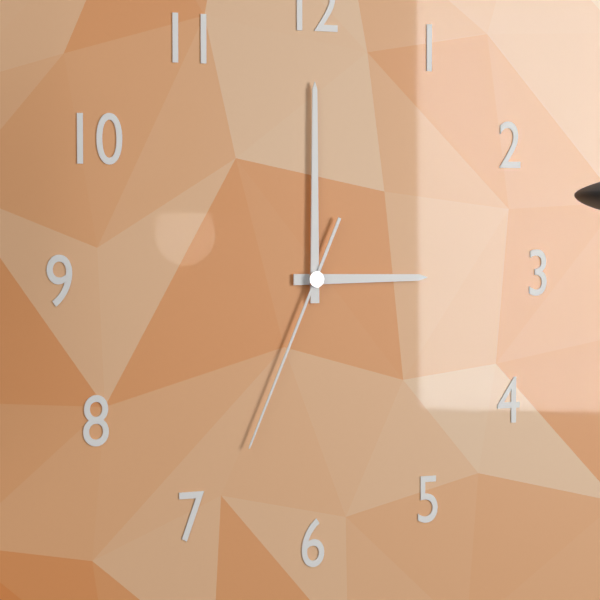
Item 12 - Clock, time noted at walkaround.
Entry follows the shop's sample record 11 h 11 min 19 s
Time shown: 3 h 00 min 34 s
